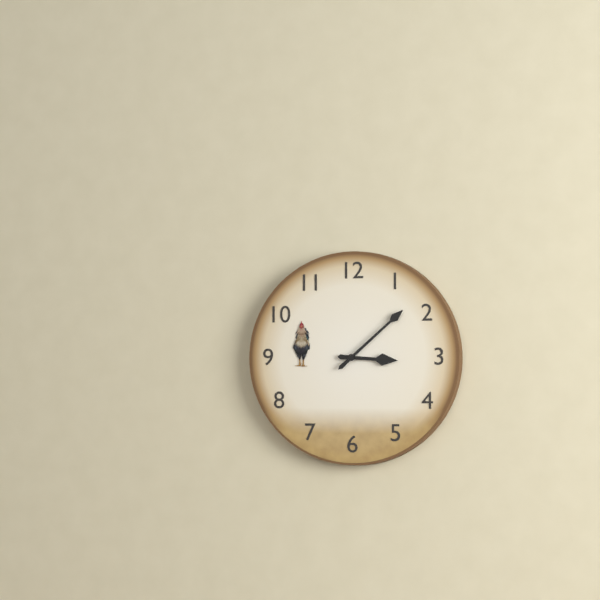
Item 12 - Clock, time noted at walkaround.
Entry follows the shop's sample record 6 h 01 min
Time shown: 3 h 08 min
